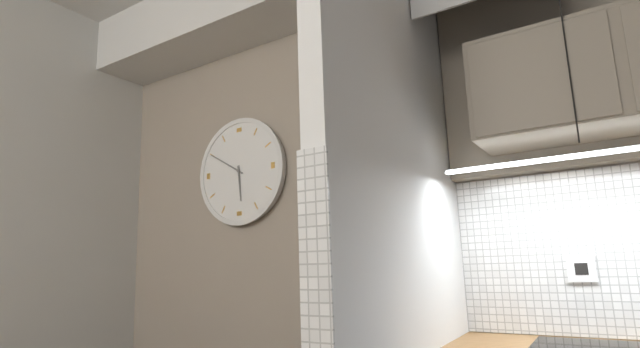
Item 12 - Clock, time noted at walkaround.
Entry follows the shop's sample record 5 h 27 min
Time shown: 5 h 50 min
